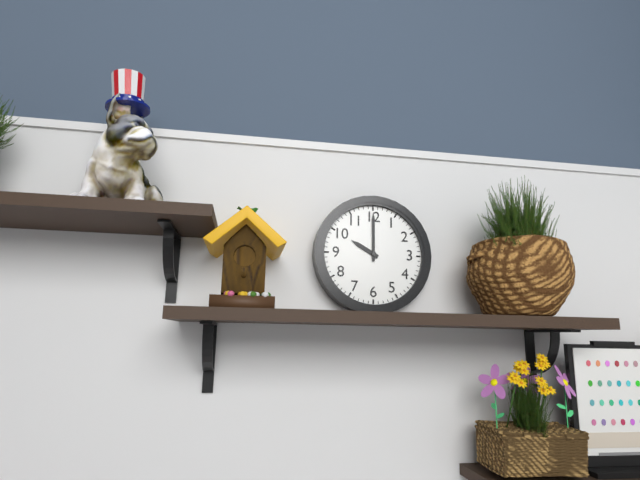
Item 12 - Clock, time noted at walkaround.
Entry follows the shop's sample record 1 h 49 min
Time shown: 10 h 00 min
